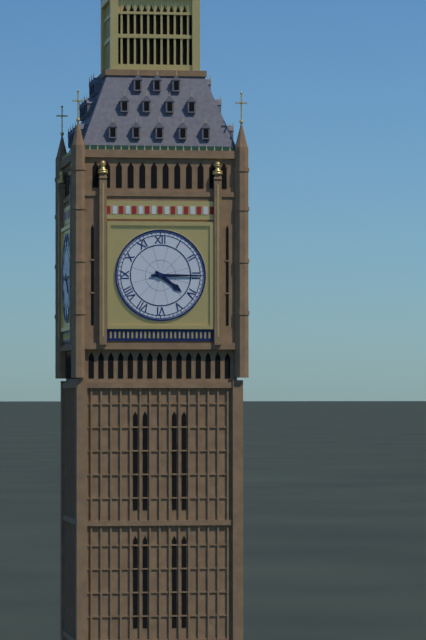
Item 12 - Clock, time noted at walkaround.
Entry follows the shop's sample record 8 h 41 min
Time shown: 4 h 15 min
